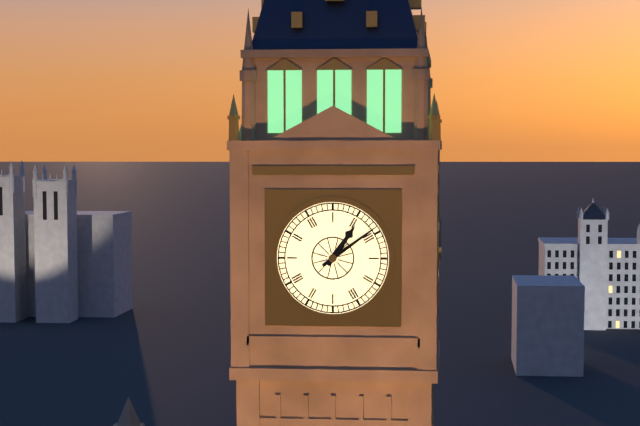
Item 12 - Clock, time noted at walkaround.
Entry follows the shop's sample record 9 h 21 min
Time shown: 1 h 09 min
